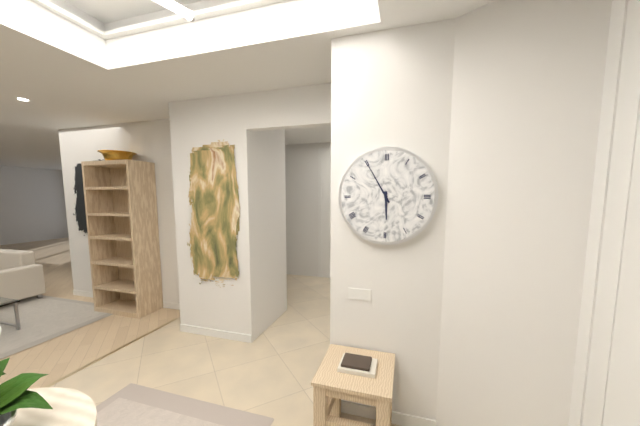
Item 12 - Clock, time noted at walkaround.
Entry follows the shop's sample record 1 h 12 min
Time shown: 5 h 55 min
